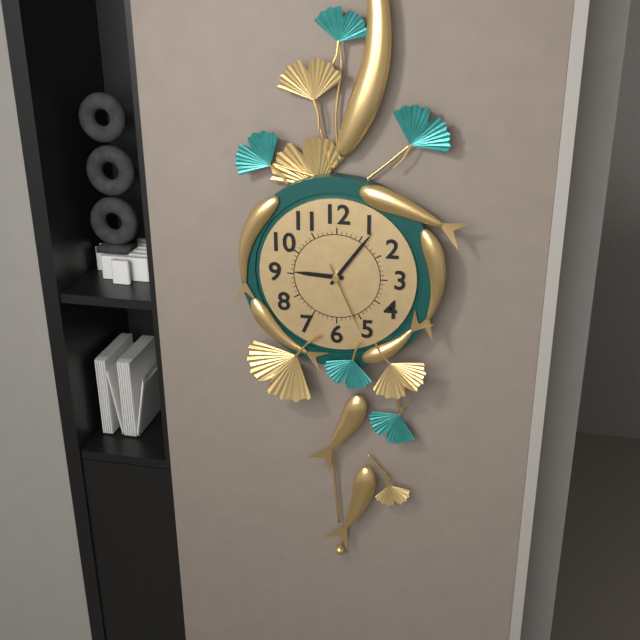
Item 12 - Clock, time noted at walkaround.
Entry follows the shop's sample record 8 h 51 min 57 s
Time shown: 9 h 06 min 26 s
